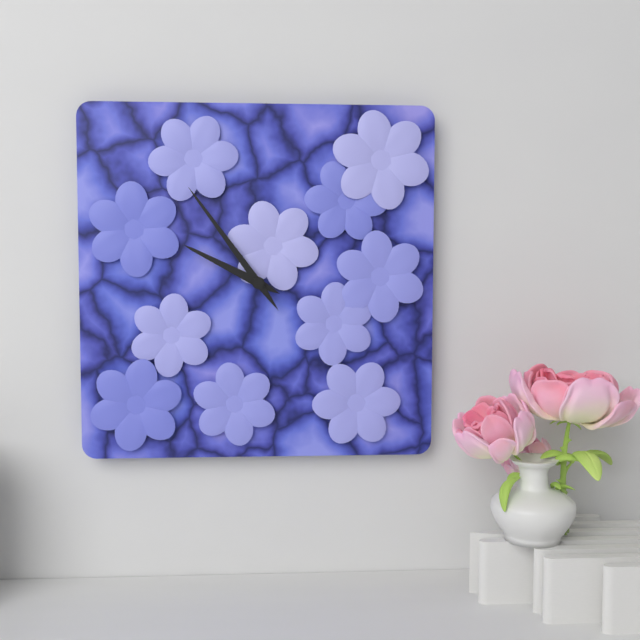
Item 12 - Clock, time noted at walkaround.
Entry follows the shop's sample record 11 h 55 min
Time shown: 9 h 54 min
